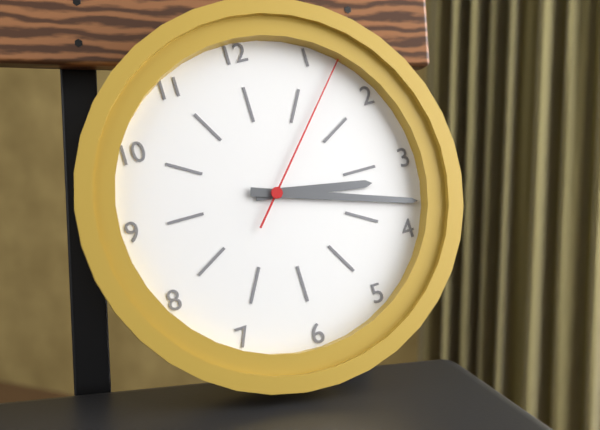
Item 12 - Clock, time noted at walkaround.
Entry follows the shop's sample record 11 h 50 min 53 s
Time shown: 3 h 18 min 07 s
